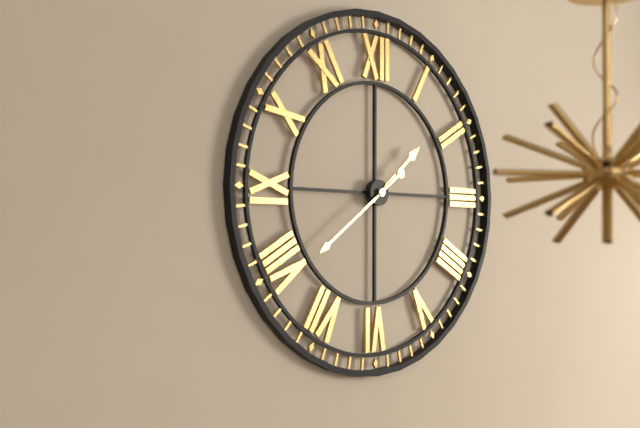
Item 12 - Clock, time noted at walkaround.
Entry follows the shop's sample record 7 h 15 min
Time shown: 1 h 39 min
